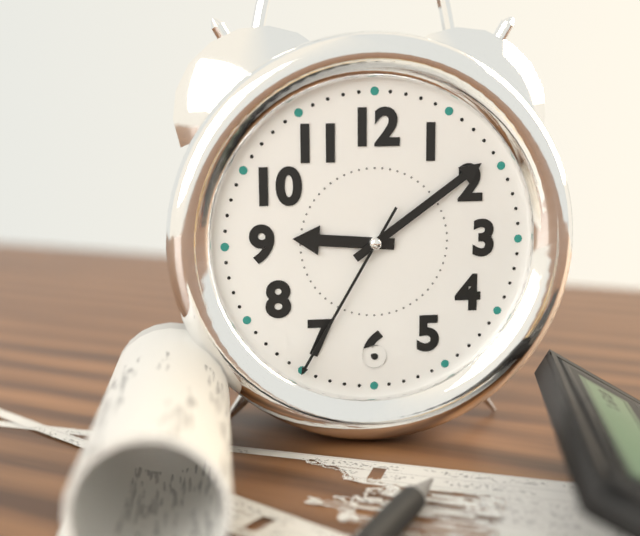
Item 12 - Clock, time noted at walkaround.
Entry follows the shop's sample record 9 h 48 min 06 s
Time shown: 9 h 09 min 35 s
